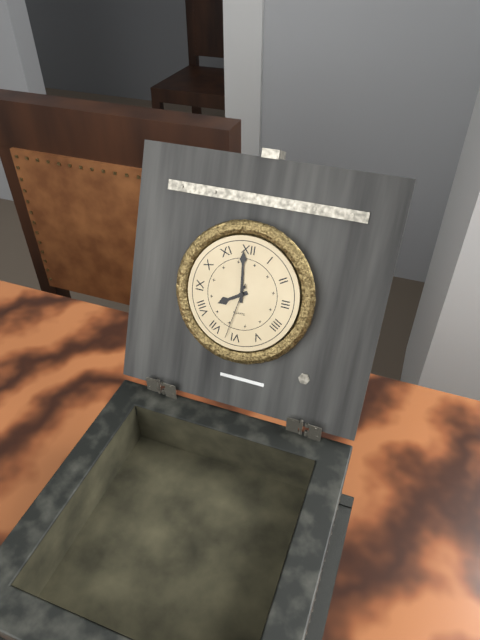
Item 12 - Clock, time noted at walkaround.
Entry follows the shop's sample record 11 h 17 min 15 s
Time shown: 7 h 59 min 32 s
